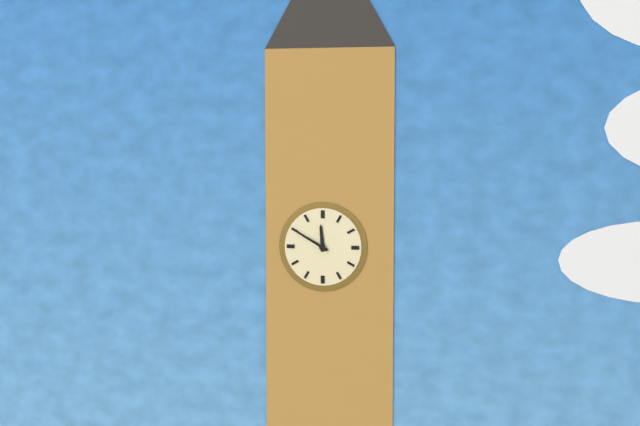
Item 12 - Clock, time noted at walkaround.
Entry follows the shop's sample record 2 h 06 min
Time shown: 11 h 50 min
